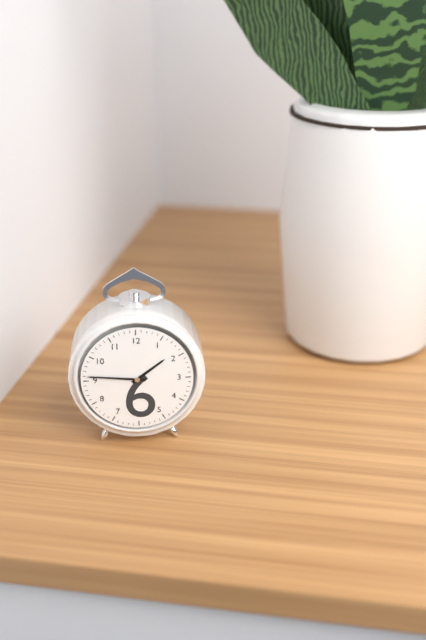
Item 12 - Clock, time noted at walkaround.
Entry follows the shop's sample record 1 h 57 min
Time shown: 1 h 46 min
